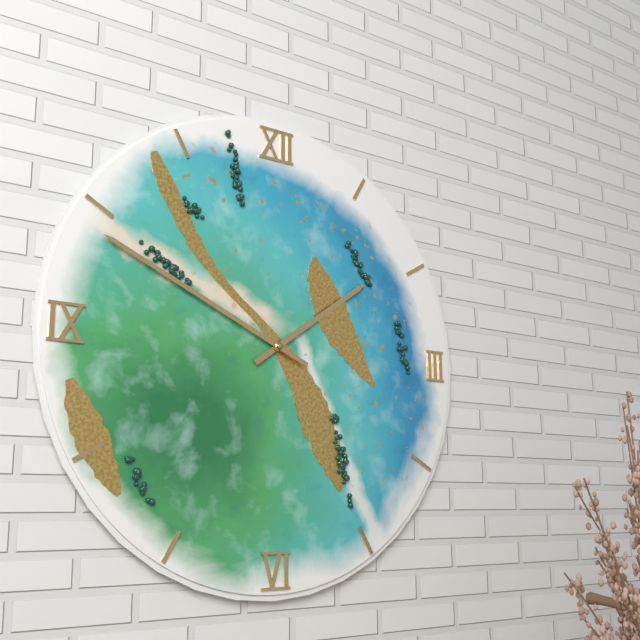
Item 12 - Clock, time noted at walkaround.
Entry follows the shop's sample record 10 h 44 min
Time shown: 1 h 49 min
